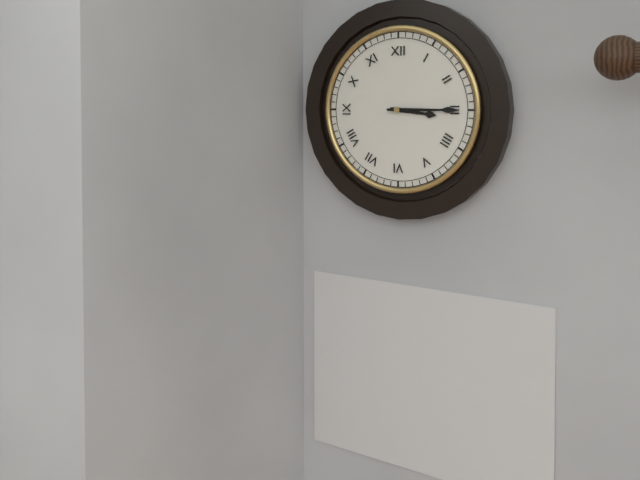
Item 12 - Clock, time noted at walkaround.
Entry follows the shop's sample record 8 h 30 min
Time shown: 3 h 15 min
